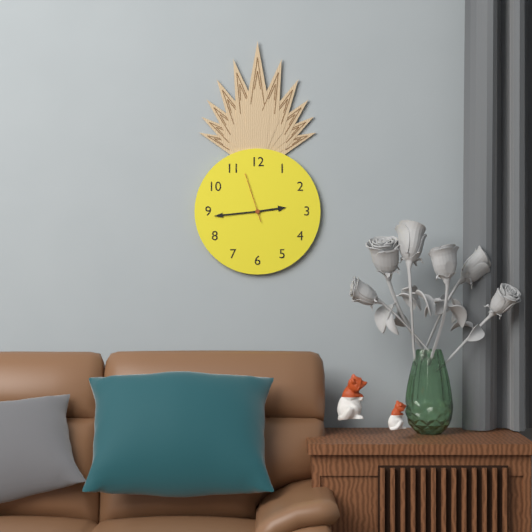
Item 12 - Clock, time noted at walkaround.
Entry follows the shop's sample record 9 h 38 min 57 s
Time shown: 2 h 44 min 57 s
